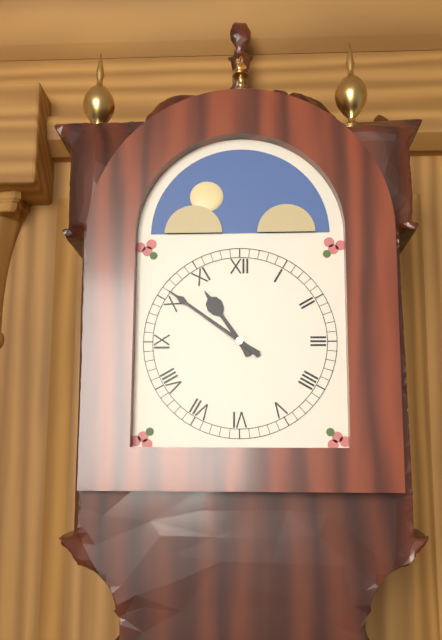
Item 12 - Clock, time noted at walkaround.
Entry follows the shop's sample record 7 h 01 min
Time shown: 10 h 51 min
